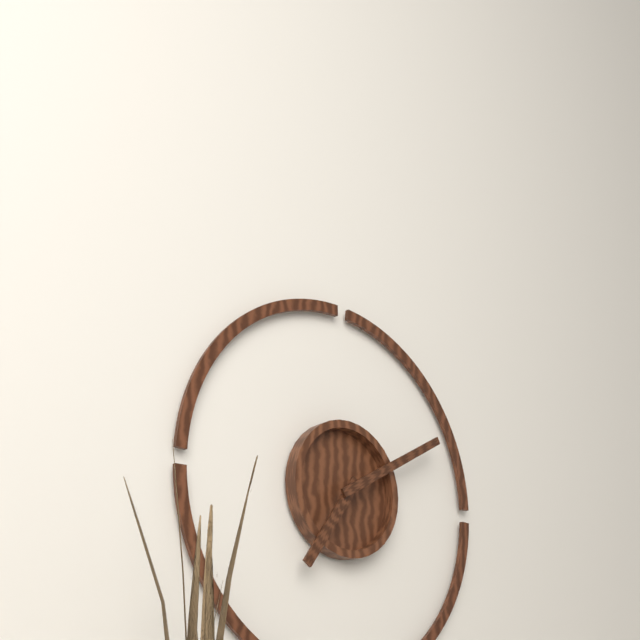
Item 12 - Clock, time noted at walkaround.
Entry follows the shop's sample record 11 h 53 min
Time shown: 7 h 10 min
